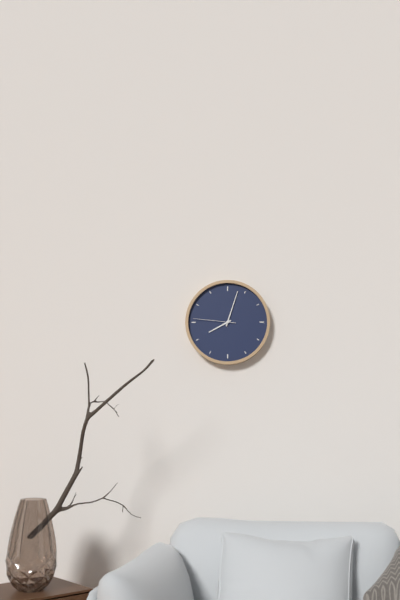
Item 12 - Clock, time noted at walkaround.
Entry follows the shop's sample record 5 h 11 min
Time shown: 8 h 03 min
